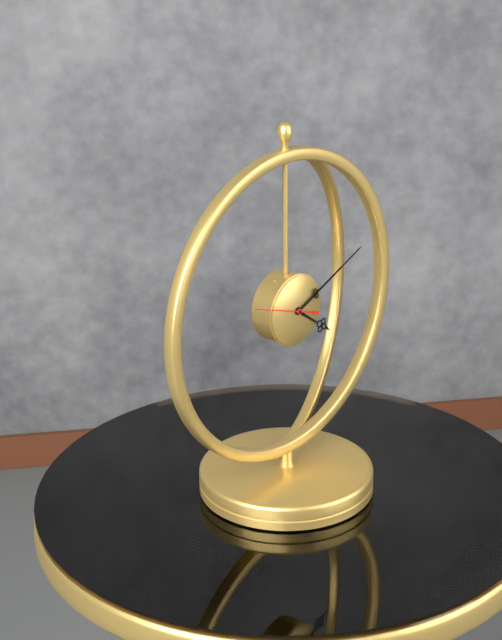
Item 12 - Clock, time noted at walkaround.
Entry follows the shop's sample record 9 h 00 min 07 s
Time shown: 4 h 11 min 48 s
